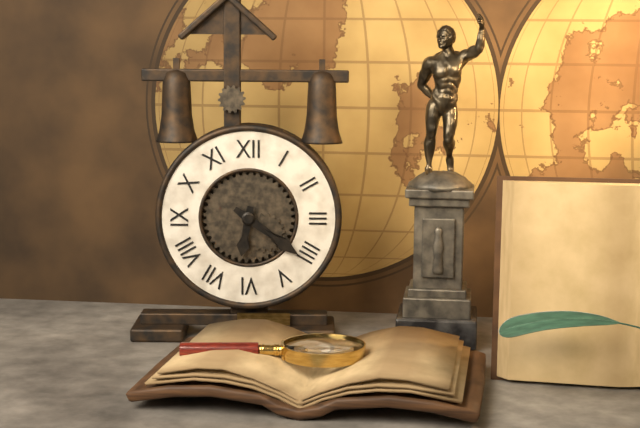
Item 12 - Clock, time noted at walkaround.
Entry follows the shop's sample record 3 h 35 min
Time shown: 6 h 21 min
